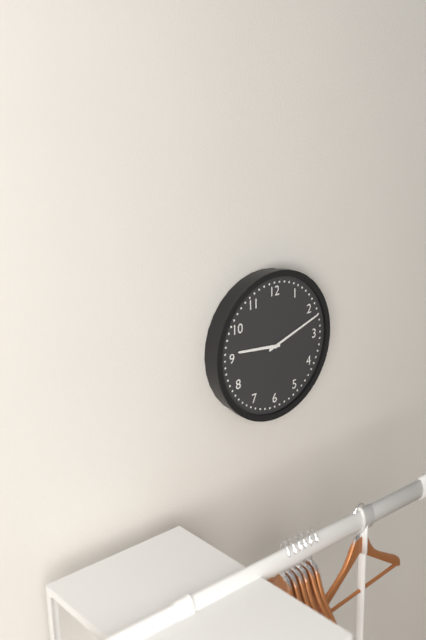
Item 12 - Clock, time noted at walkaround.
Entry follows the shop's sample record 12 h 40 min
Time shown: 9 h 12 min
